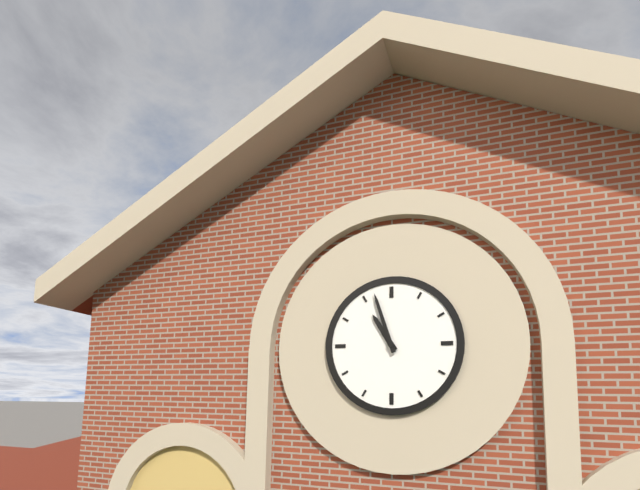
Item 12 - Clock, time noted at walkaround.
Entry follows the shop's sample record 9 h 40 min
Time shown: 10 h 57 min
